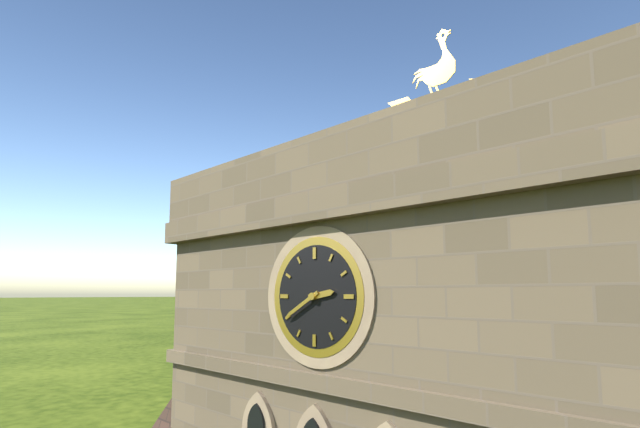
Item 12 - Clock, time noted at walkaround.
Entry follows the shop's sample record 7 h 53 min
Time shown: 2 h 40 min
